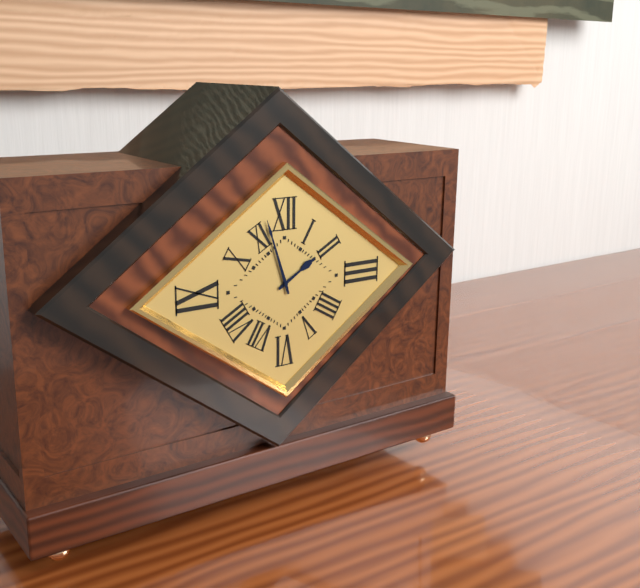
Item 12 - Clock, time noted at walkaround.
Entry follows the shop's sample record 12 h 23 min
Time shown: 1 h 57 min
